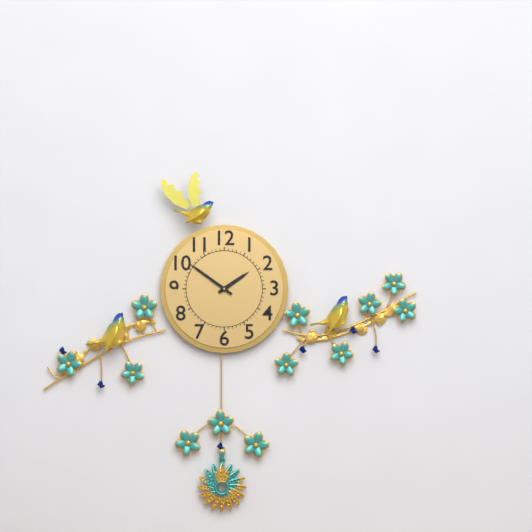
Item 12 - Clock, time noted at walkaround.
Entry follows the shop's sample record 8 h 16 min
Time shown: 1 h 51 min
